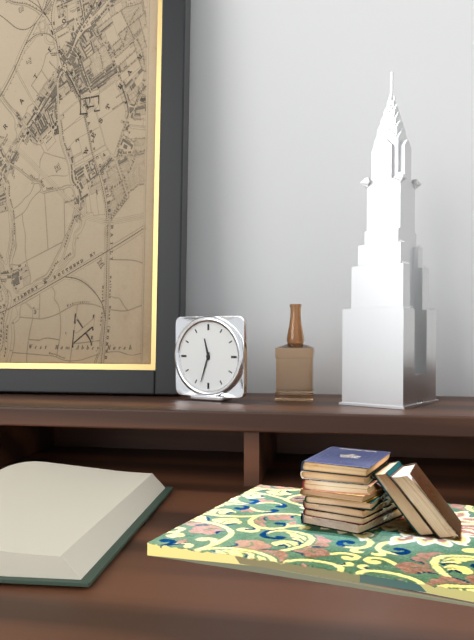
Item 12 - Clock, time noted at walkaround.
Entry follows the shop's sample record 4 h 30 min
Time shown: 11 h 33 min
